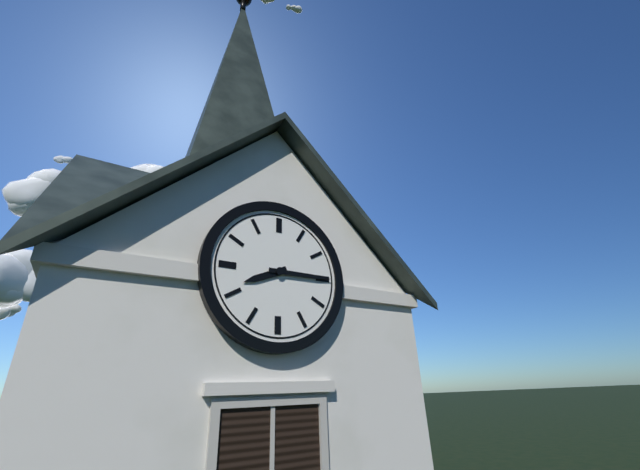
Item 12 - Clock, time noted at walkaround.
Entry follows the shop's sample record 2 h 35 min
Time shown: 8 h 15 min
